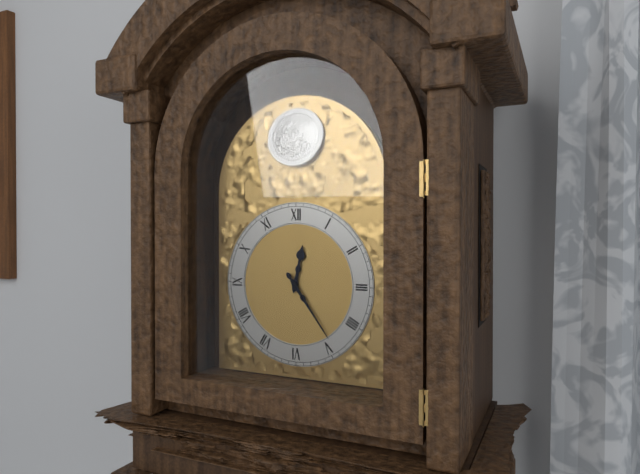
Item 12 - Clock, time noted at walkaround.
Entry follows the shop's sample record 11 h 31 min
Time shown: 12 h 24 min
